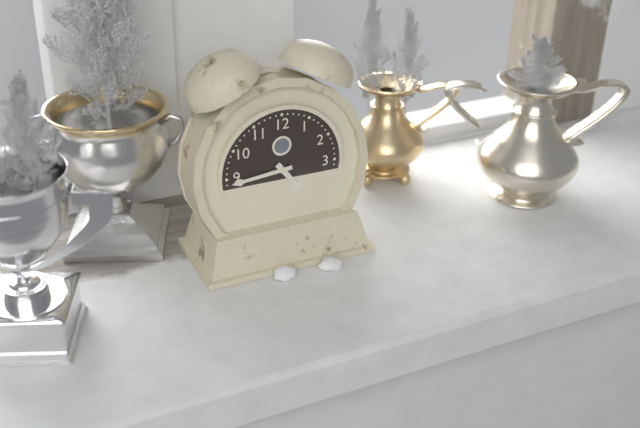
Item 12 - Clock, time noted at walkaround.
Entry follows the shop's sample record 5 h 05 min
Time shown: 4 h 44 min
